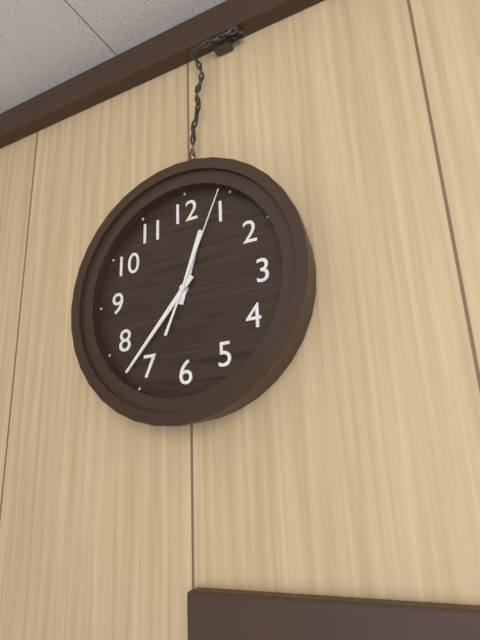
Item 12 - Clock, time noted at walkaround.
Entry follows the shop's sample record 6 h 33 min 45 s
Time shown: 12 h 37 min 04 s
